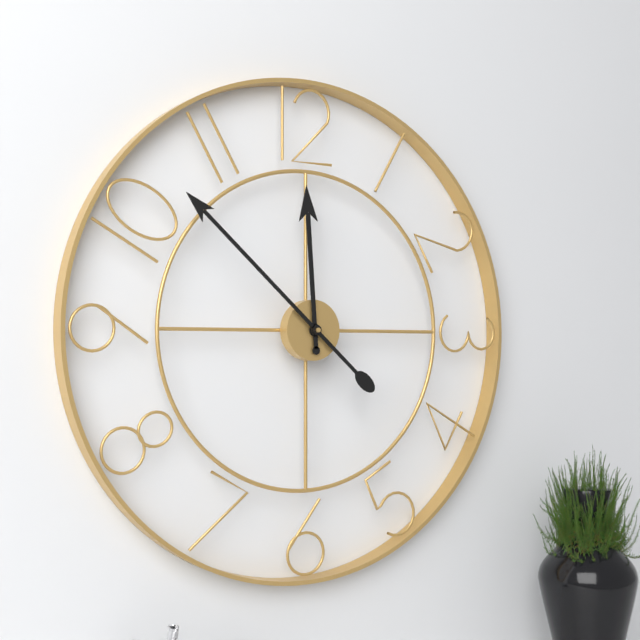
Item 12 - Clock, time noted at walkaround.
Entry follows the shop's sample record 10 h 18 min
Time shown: 11 h 52 min
